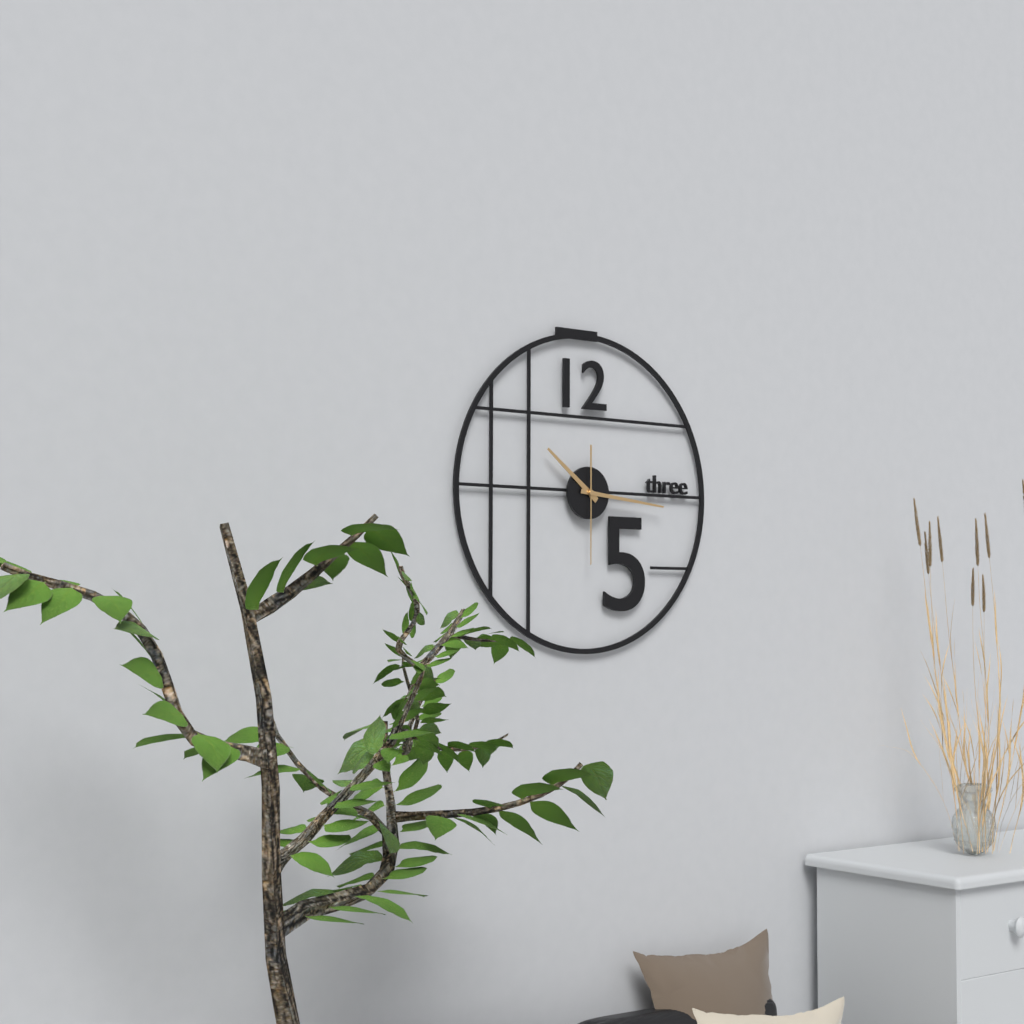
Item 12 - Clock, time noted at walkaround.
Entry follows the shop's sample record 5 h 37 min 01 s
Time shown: 10 h 16 min 30 s
